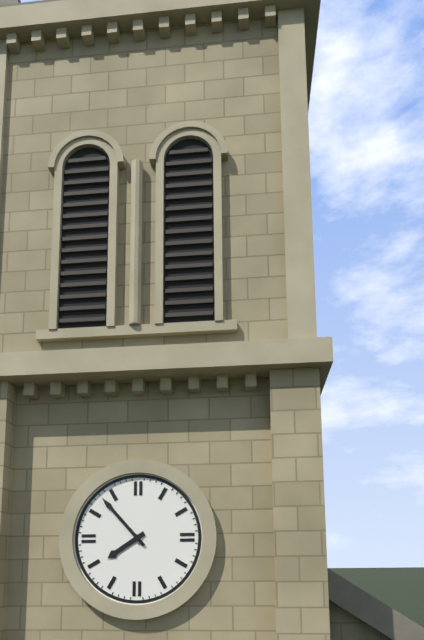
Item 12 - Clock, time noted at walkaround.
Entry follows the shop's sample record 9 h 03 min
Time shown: 7 h 53 min
